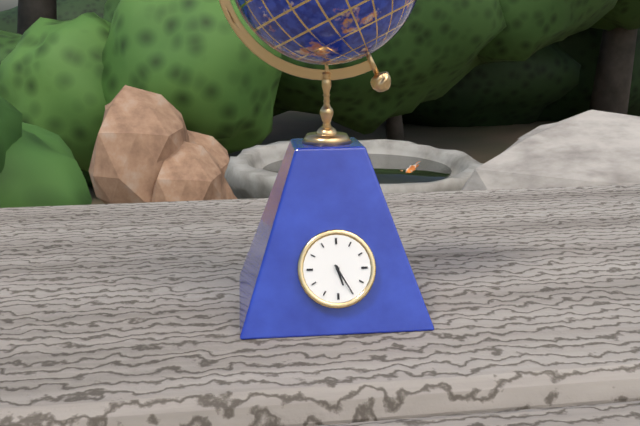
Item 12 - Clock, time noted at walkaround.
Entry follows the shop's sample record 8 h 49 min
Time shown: 5 h 25 min
